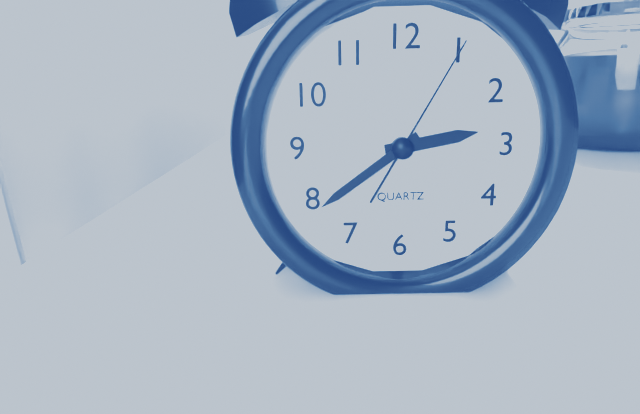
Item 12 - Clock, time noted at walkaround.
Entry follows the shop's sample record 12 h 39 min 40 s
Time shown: 2 h 39 min 05 s
